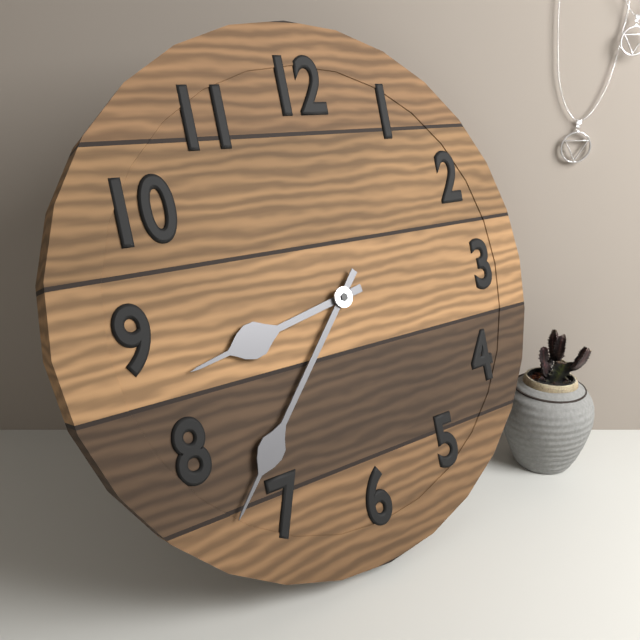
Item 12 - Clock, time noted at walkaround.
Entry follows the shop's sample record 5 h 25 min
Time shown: 8 h 37 min
